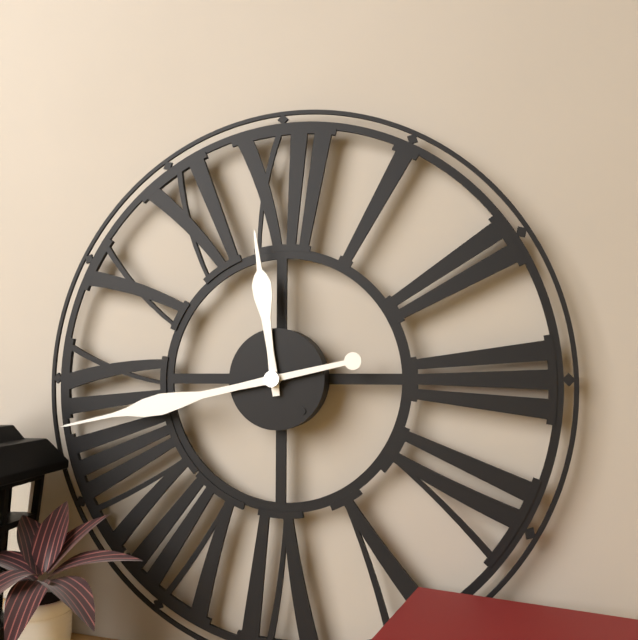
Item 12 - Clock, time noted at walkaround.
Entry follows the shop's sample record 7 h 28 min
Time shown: 11 h 43 min
